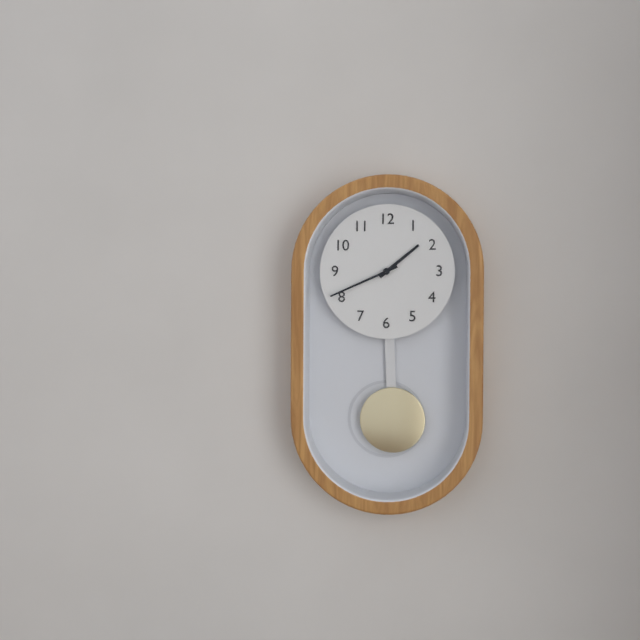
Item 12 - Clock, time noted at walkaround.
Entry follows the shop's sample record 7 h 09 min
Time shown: 1 h 41 min
